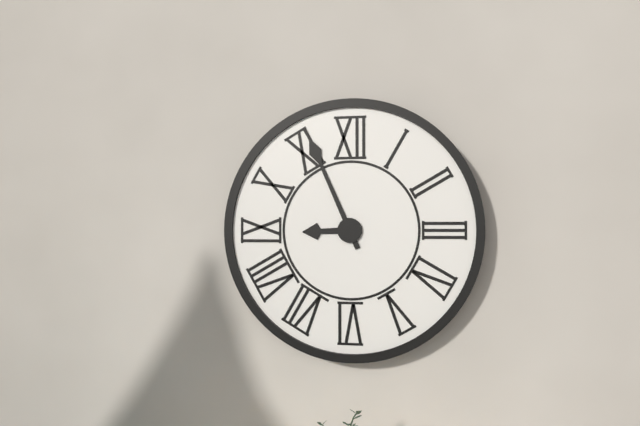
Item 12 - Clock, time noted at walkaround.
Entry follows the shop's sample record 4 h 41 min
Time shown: 8 h 56 min
